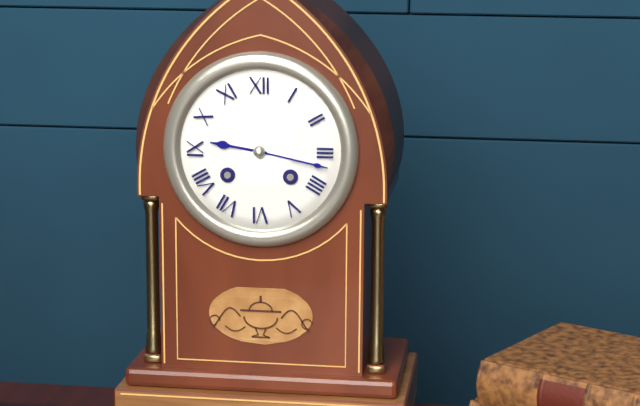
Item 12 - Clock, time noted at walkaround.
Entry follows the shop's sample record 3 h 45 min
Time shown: 9 h 17 min
